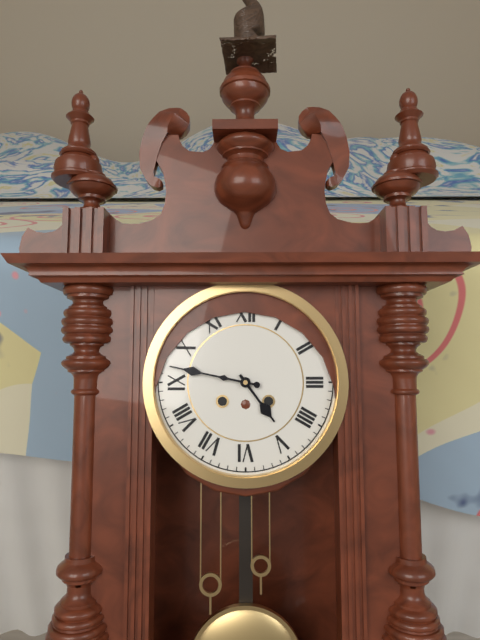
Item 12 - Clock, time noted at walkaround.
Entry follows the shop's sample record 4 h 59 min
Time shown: 4 h 47 min
